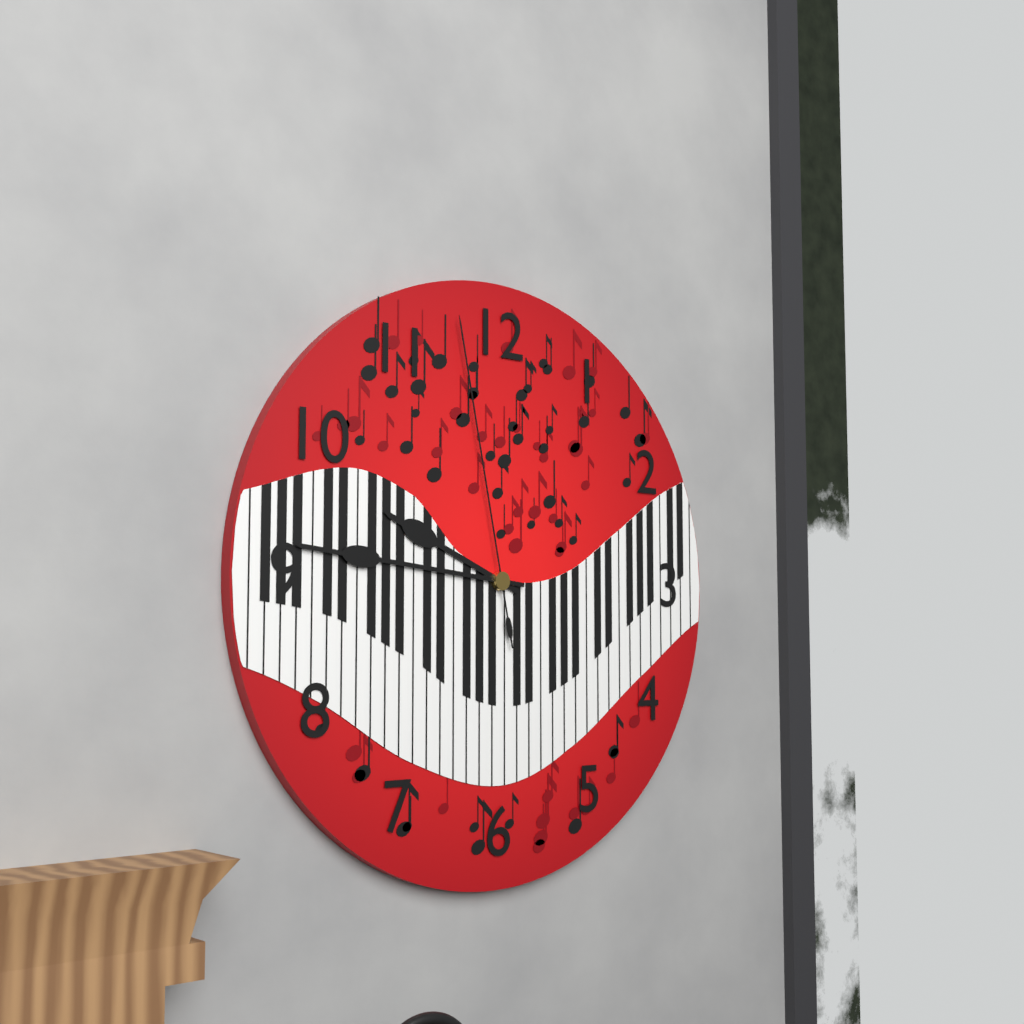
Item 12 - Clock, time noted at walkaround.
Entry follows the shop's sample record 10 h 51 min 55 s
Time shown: 9 h 46 min 58 s
